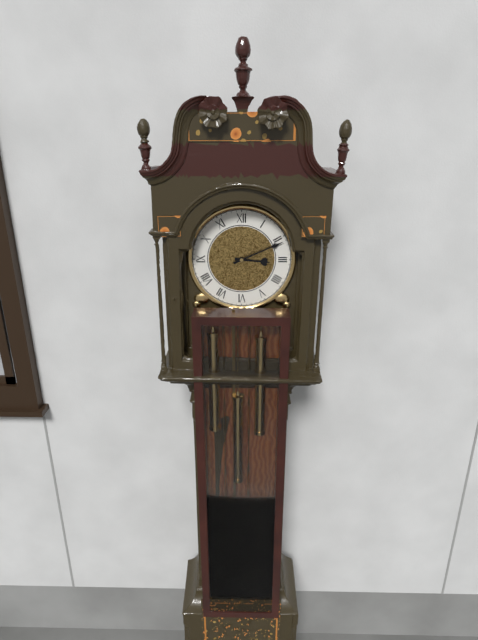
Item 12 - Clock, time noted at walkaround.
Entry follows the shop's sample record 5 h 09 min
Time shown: 3 h 11 min
